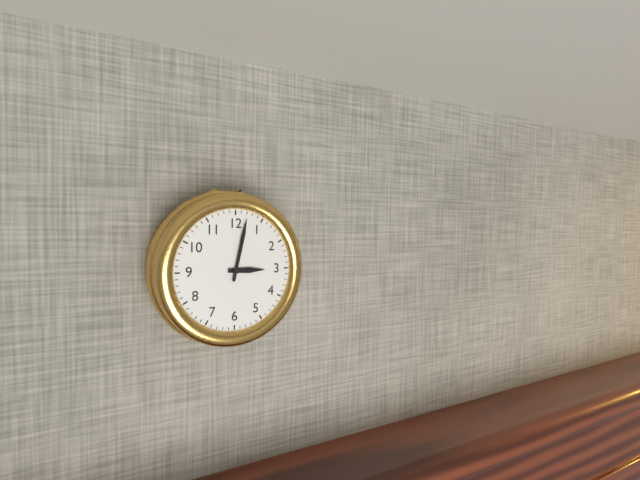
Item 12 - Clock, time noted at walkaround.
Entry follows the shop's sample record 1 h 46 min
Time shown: 3 h 02 min
